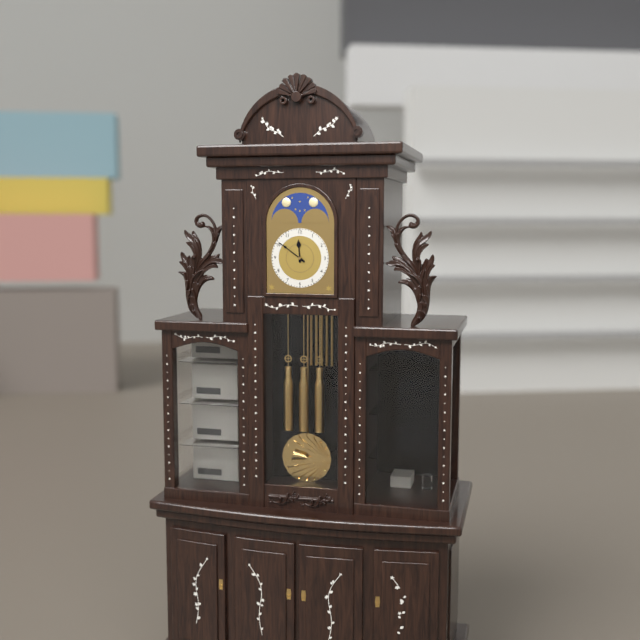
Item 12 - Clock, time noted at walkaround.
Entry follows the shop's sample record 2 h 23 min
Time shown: 11 h 51 min
